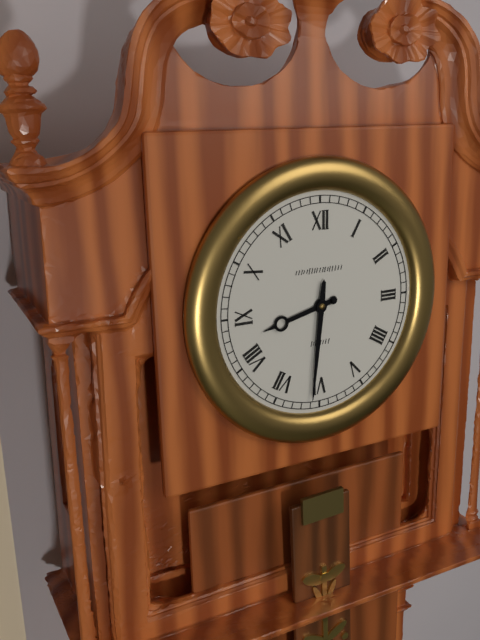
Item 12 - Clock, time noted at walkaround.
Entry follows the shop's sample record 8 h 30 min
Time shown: 8 h 31 min
